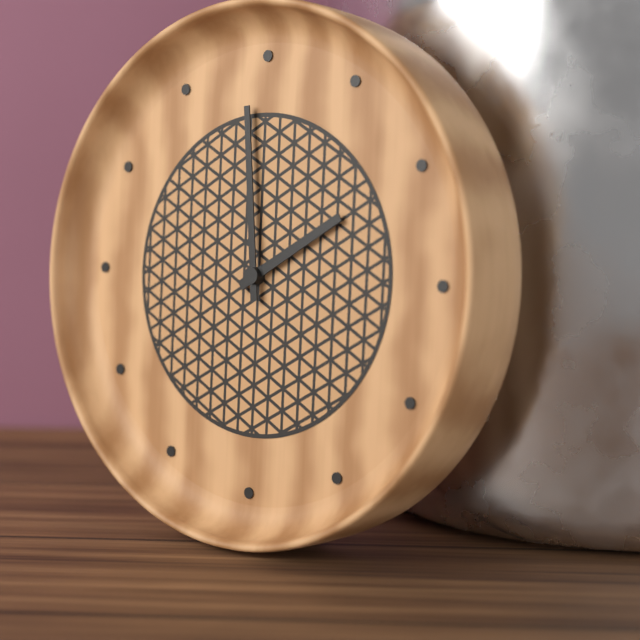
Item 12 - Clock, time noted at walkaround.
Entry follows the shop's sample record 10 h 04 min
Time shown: 1 h 59 min
